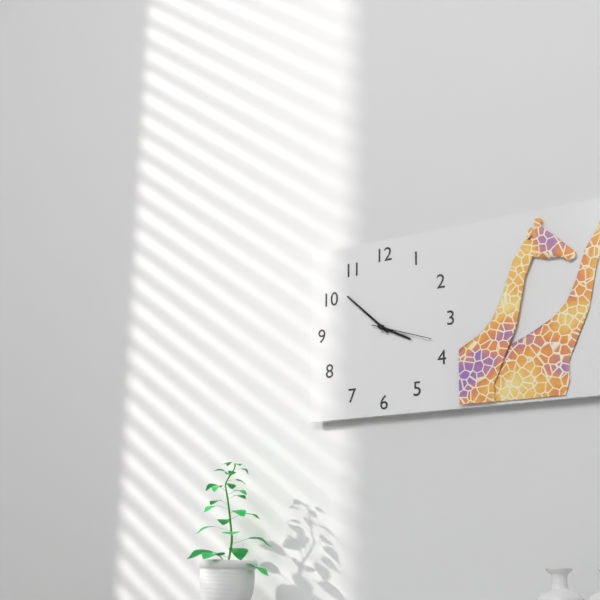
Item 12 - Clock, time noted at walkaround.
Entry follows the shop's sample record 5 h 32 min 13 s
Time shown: 3 h 52 min 18 s
